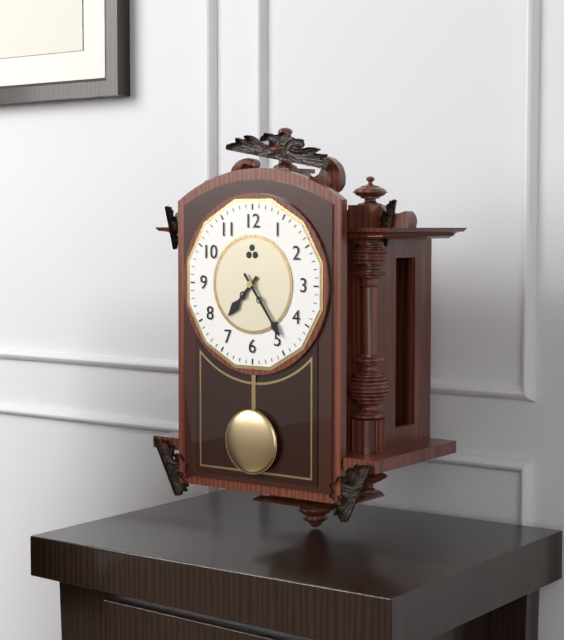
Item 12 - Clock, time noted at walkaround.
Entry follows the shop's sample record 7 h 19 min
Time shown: 7 h 24 min
